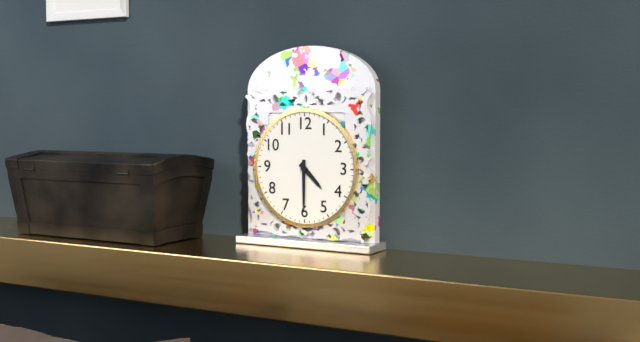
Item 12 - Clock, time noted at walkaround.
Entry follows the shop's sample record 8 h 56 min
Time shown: 4 h 30 min
